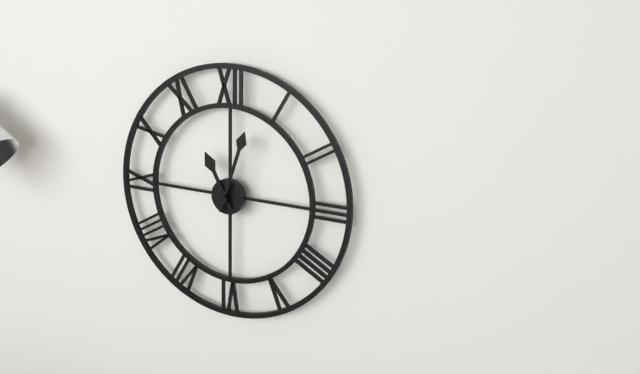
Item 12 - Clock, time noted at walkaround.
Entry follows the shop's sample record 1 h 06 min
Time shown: 11 h 03 min
